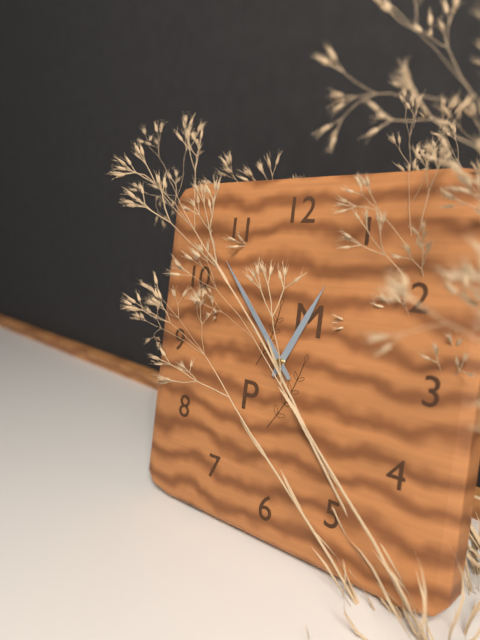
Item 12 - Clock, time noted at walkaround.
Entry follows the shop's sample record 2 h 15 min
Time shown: 12 h 53 min
